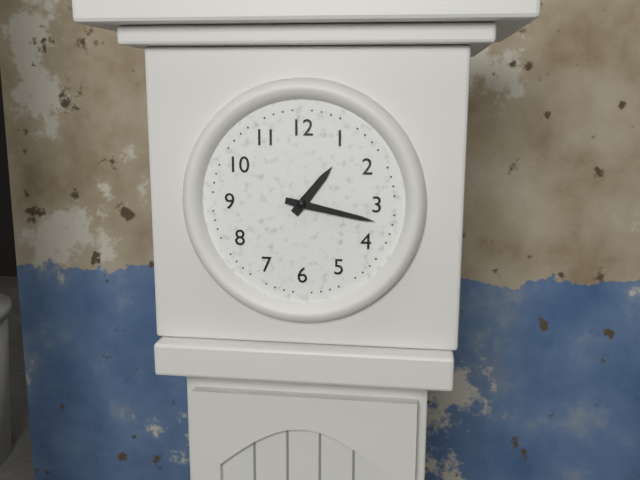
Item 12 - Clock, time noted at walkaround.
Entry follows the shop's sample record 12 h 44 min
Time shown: 1 h 17 min
